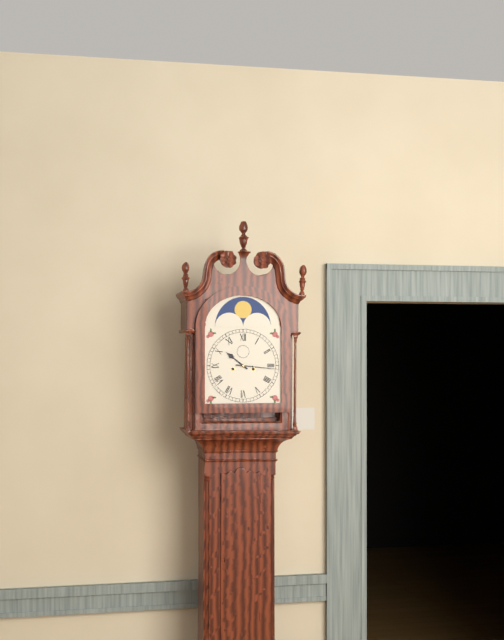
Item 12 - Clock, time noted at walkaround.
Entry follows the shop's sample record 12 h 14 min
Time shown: 10 h 16 min
